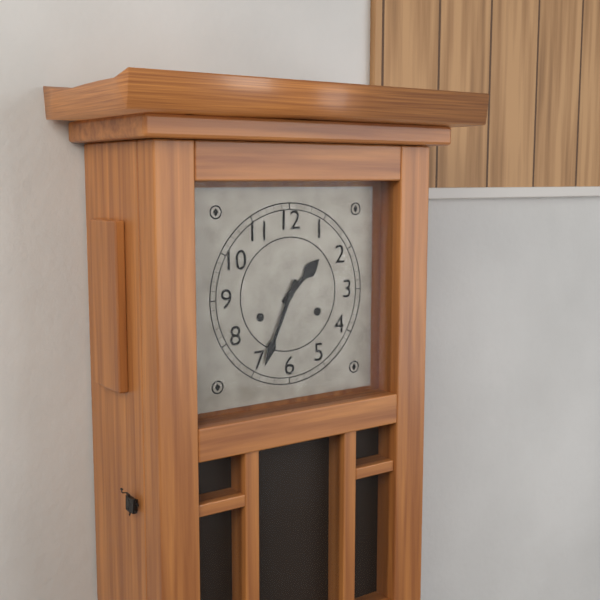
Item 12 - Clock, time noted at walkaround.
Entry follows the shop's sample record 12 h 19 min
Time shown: 1 h 34 min
